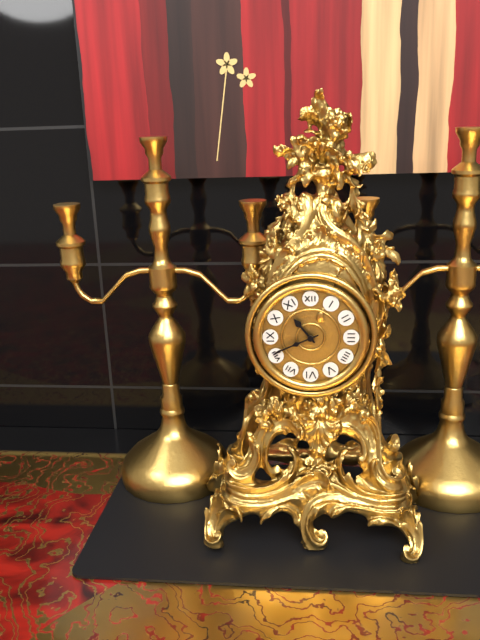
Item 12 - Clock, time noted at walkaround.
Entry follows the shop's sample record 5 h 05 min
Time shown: 10 h 41 min
